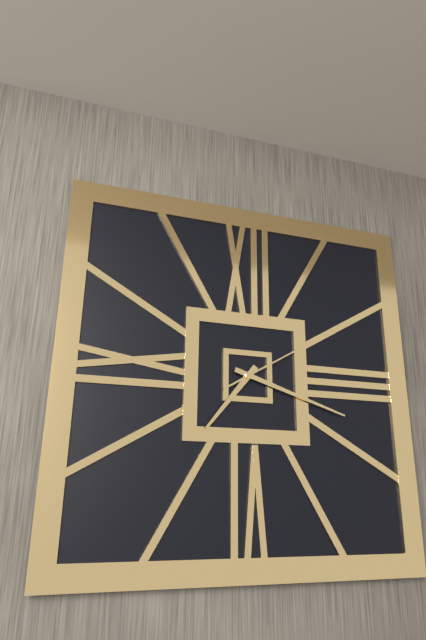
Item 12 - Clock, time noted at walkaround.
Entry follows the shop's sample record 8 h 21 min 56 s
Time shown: 7 h 18 min 10 s
